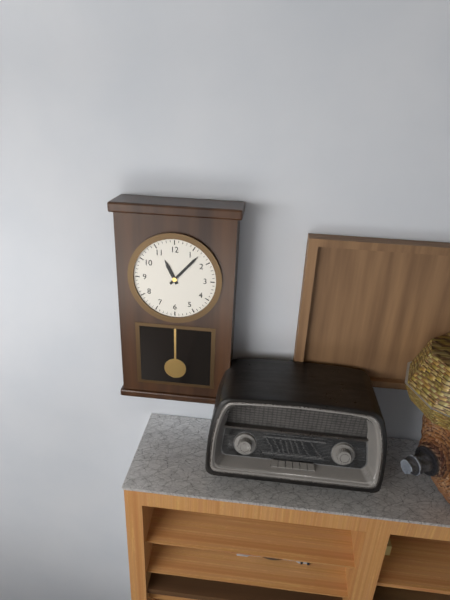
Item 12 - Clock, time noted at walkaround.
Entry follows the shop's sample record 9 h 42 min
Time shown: 11 h 07 min
